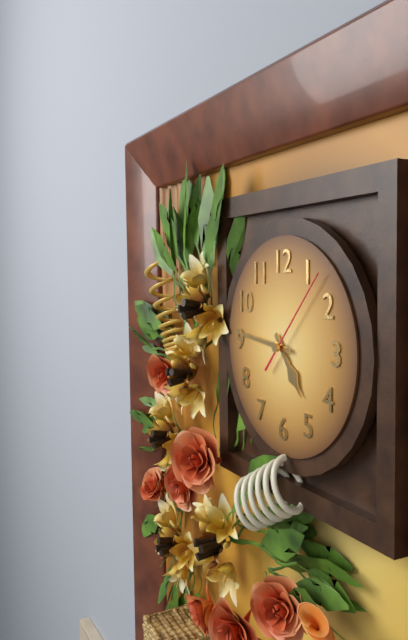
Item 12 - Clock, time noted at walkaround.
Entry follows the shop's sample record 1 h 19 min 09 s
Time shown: 4 h 46 min 07 s
